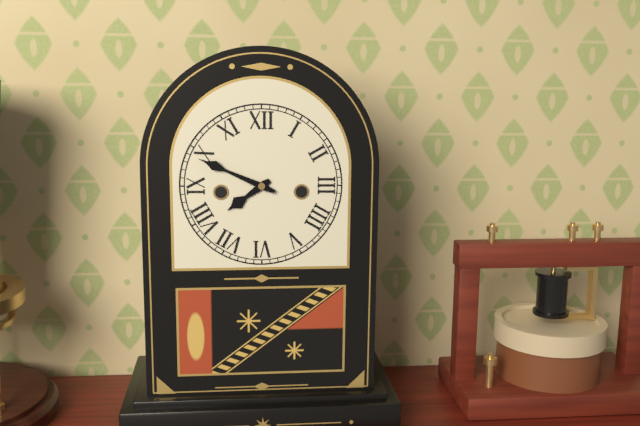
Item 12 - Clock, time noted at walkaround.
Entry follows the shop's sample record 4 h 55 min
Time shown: 7 h 49 min
